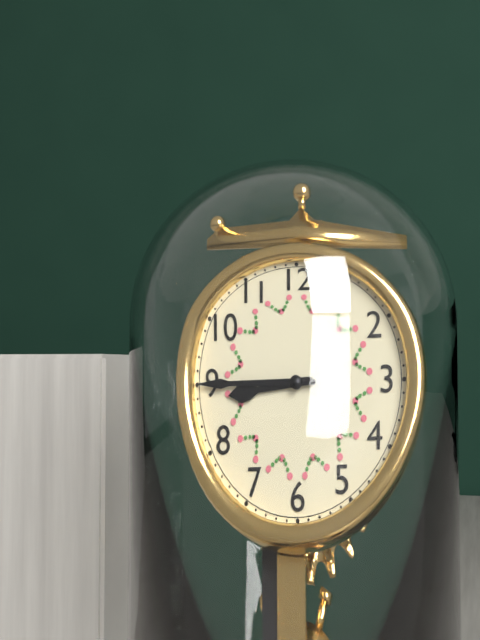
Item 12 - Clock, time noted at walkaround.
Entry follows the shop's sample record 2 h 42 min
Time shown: 8 h 45 min
